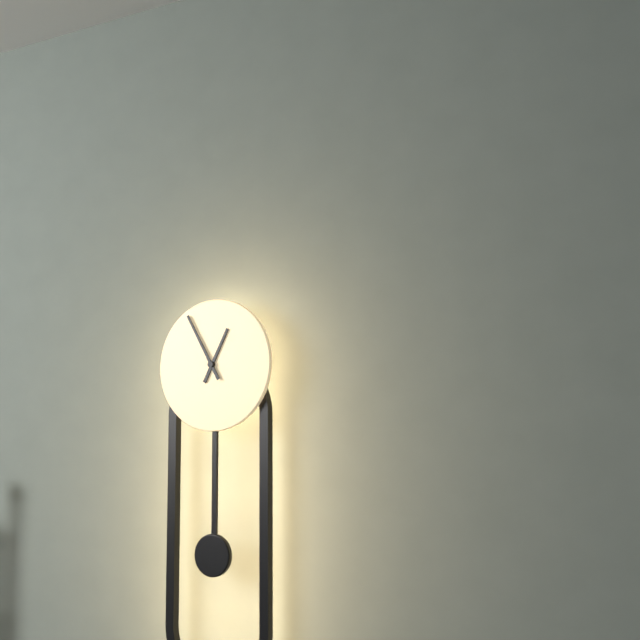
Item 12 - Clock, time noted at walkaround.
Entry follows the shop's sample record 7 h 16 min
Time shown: 12 h 55 min
